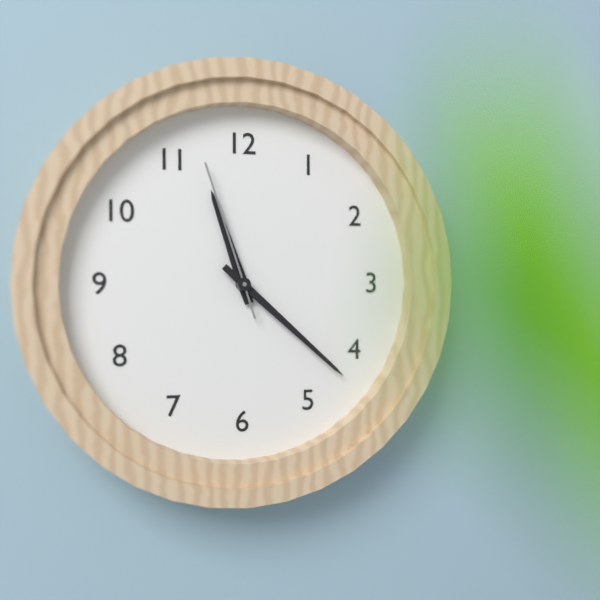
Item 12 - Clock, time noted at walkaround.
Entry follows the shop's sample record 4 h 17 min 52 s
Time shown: 11 h 22 min 57 s
